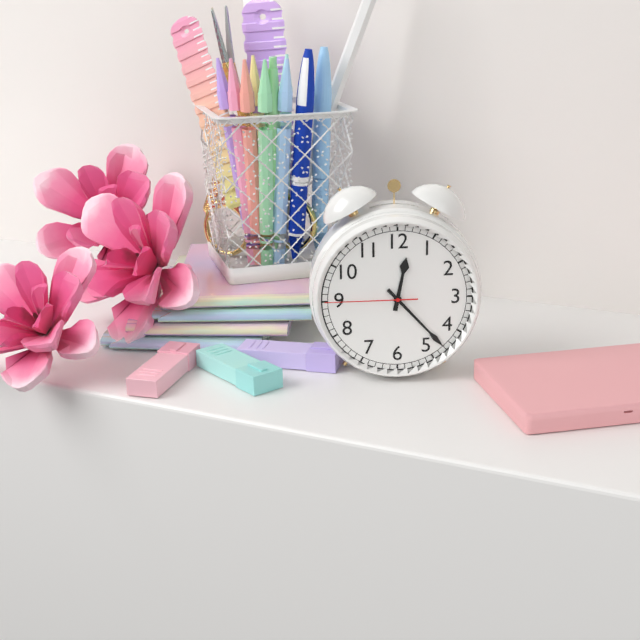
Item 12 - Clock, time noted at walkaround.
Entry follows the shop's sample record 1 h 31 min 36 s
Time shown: 12 h 23 min 45 s
